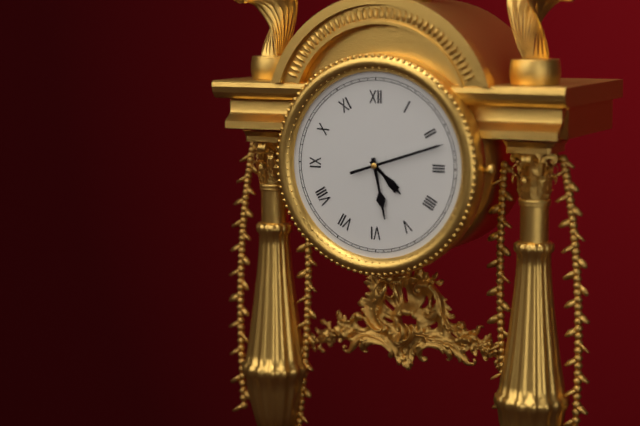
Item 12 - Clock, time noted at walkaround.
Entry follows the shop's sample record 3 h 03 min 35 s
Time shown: 4 h 28 min 12 s
